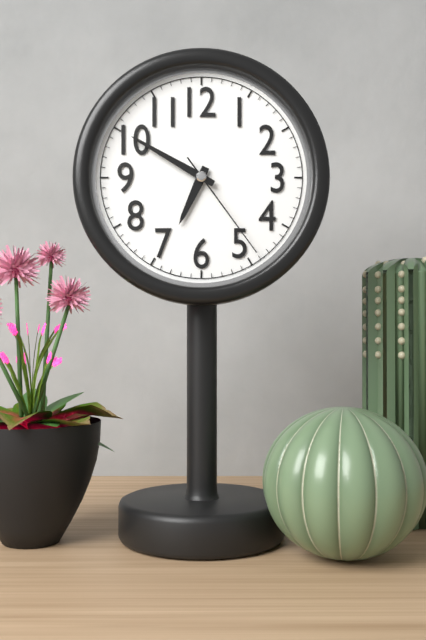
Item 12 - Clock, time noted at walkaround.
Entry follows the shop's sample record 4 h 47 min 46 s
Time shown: 6 h 50 min 24 s
